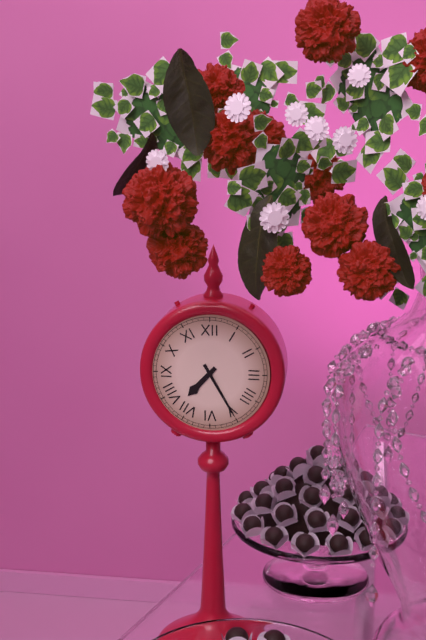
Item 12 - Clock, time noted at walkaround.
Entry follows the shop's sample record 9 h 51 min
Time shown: 7 h 25 min
